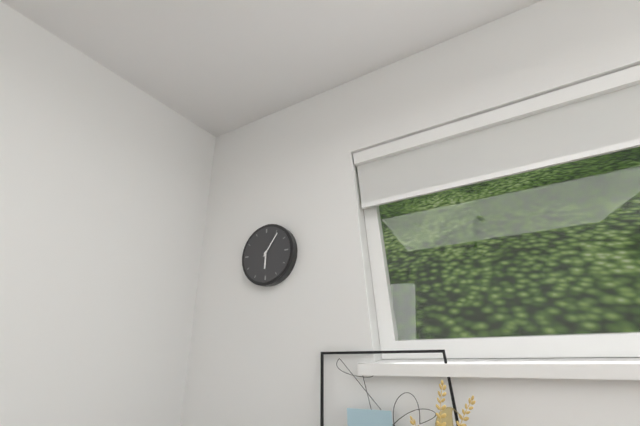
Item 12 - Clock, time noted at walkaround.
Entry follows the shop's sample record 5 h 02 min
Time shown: 6 h 06 min
